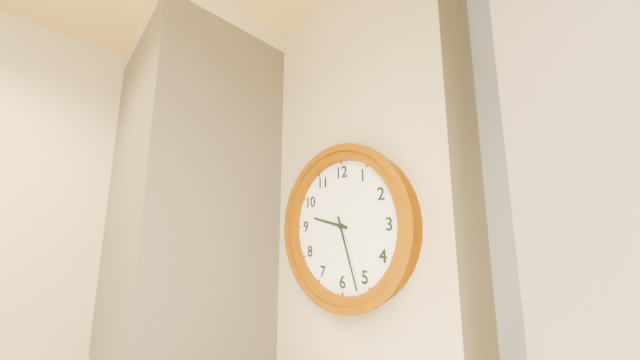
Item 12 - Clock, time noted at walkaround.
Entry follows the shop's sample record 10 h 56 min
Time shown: 9 h 27 min
